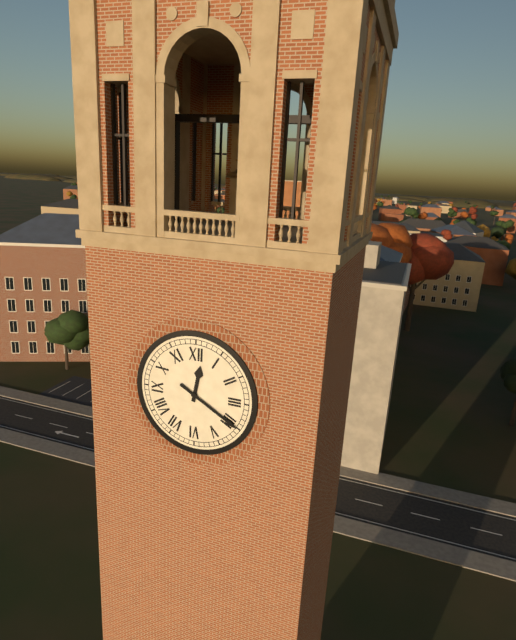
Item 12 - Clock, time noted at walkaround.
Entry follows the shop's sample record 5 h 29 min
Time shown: 12 h 20 min
